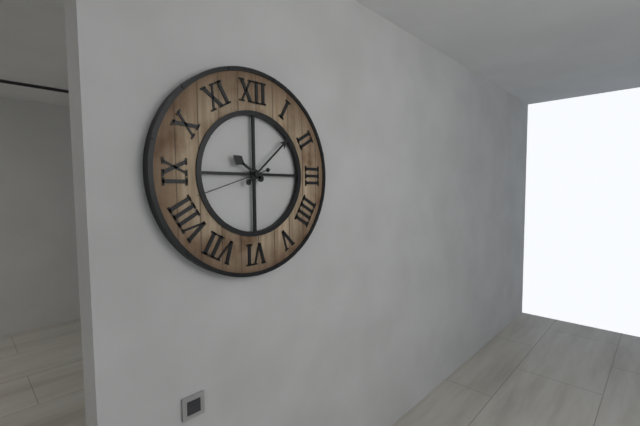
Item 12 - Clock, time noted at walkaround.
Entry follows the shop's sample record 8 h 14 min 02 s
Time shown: 10 h 08 min 42 s
